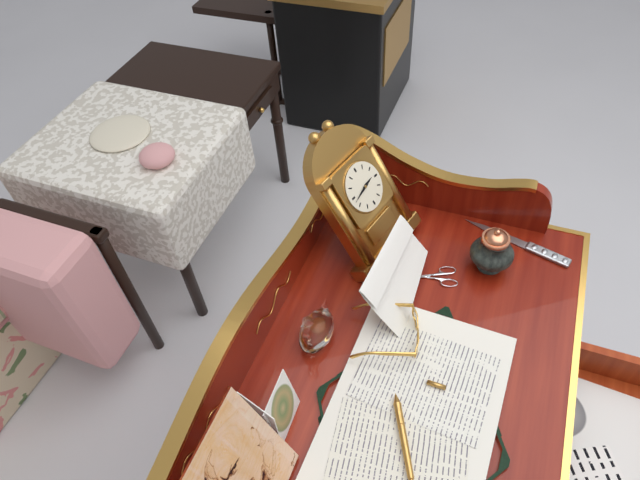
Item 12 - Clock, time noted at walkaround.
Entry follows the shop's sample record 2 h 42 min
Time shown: 2 h 43 min
